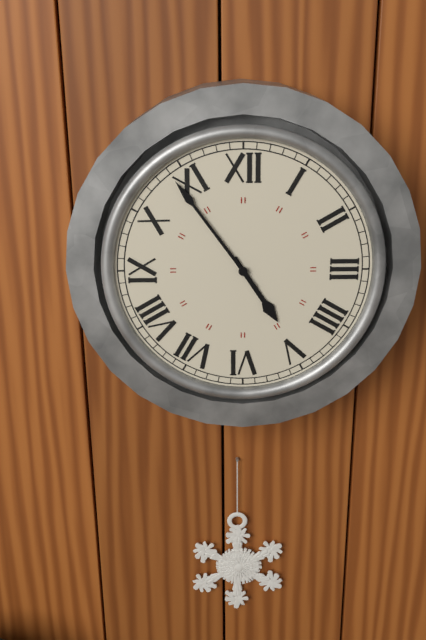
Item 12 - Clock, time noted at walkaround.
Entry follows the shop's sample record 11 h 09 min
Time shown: 4 h 54 min
